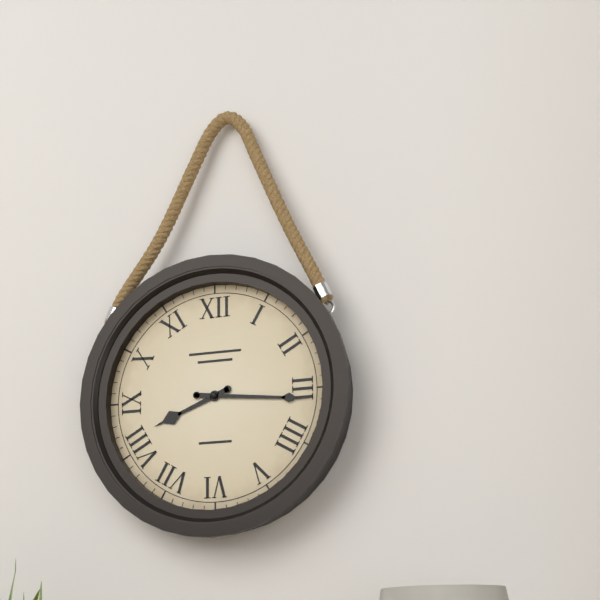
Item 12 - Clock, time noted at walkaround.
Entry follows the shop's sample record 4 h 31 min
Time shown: 8 h 16 min
